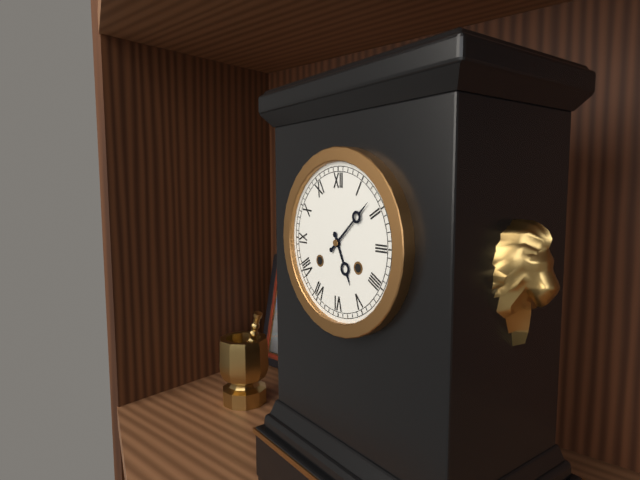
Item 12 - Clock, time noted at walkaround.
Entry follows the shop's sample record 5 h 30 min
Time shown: 5 h 08 min
